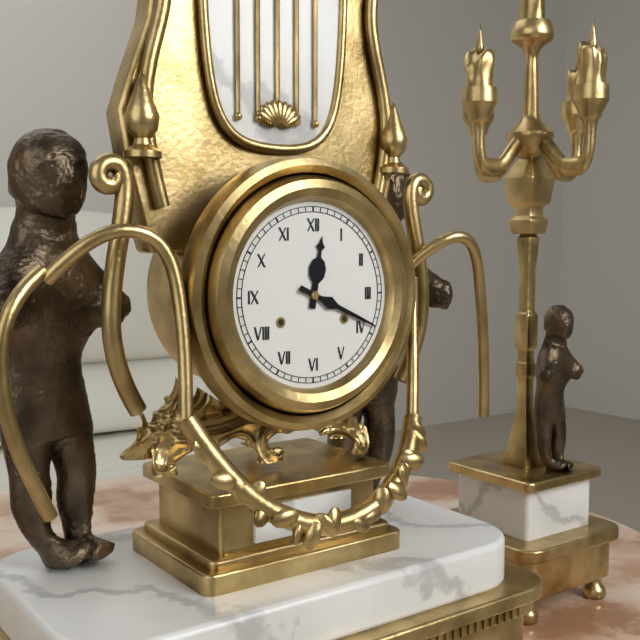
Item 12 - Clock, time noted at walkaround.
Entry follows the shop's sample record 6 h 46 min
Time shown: 12 h 19 min
